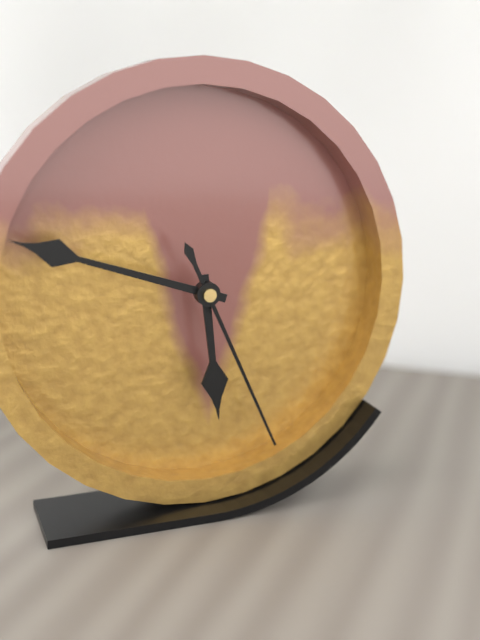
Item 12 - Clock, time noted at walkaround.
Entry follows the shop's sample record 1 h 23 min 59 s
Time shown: 5 h 48 min 26 s
